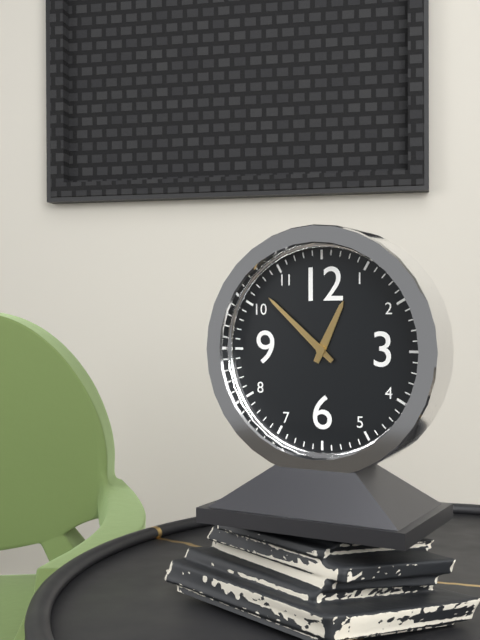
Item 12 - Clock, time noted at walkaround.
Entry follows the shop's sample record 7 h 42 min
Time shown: 12 h 52 min
